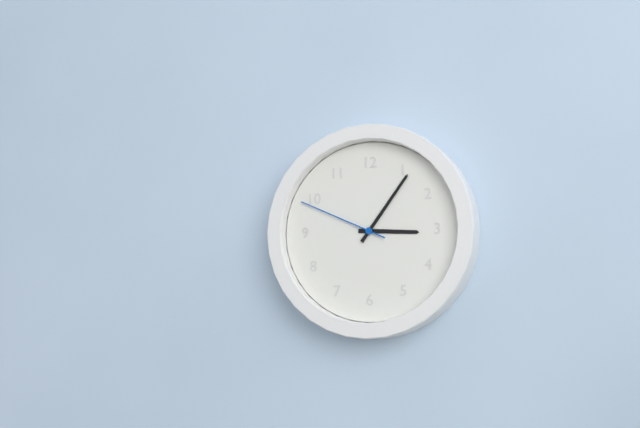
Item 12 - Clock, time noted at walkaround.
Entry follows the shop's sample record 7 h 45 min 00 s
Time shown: 3 h 06 min 49 s
